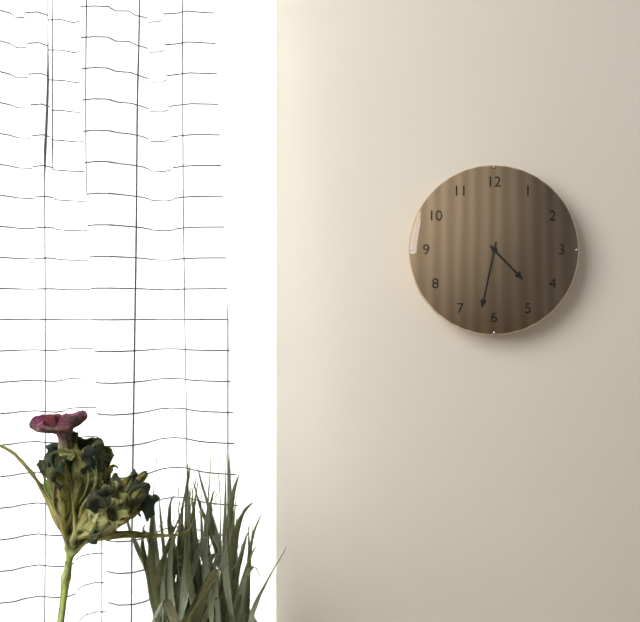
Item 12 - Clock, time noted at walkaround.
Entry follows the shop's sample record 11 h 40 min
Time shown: 4 h 32 min
